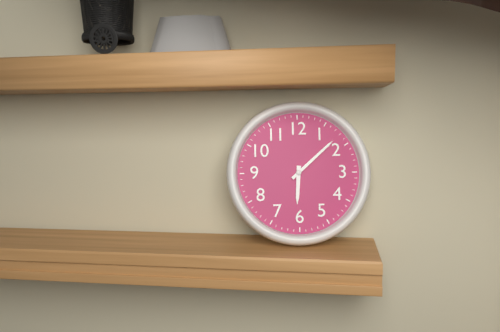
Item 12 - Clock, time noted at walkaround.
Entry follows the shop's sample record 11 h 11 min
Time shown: 6 h 08 min
